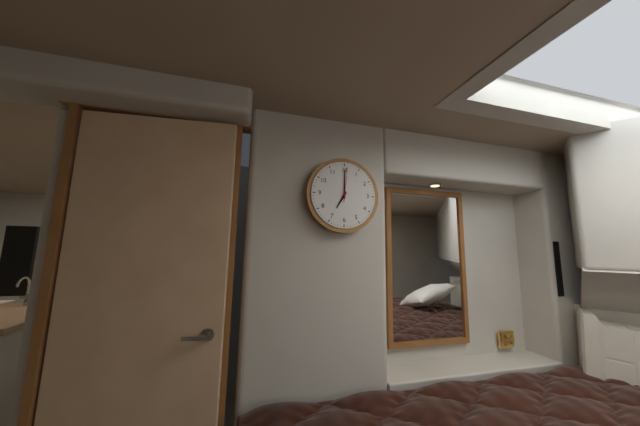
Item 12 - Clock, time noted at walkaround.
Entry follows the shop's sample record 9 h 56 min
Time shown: 7 h 00 min
